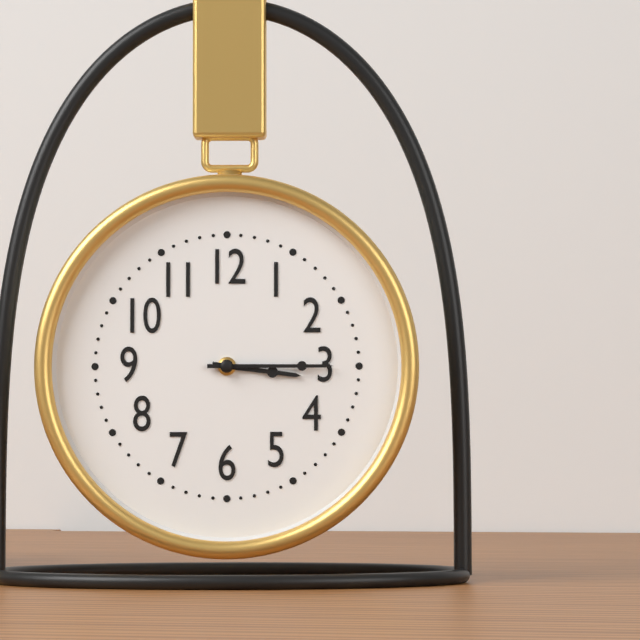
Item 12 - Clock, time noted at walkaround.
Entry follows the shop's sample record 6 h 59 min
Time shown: 3 h 15 min
